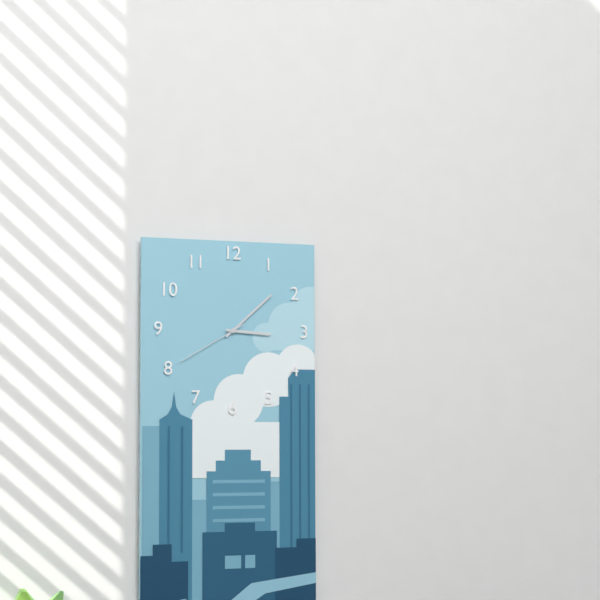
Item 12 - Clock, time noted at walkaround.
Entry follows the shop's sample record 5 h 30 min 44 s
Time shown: 3 h 08 min 40 s
